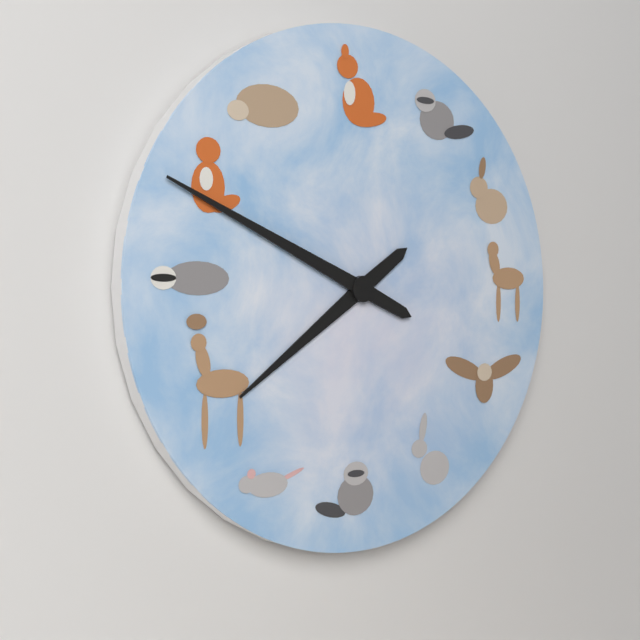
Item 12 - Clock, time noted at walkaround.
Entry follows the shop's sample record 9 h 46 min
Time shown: 7 h 49 min
